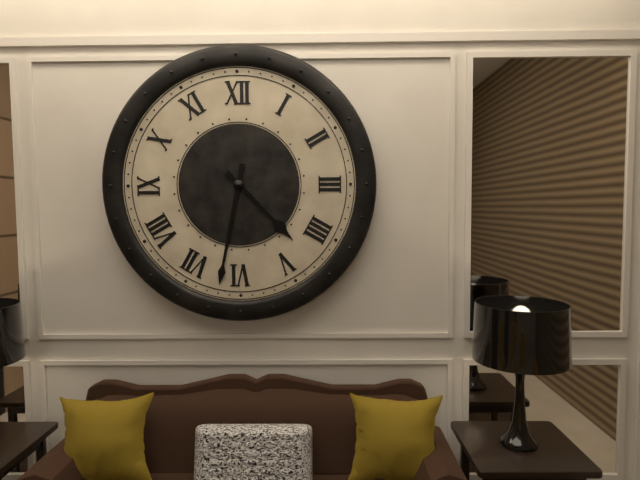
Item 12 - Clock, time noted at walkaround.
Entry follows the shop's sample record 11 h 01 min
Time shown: 4 h 32 min
